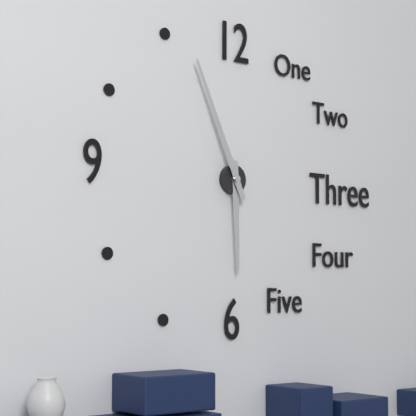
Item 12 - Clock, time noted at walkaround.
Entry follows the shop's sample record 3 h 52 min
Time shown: 5 h 56 min
